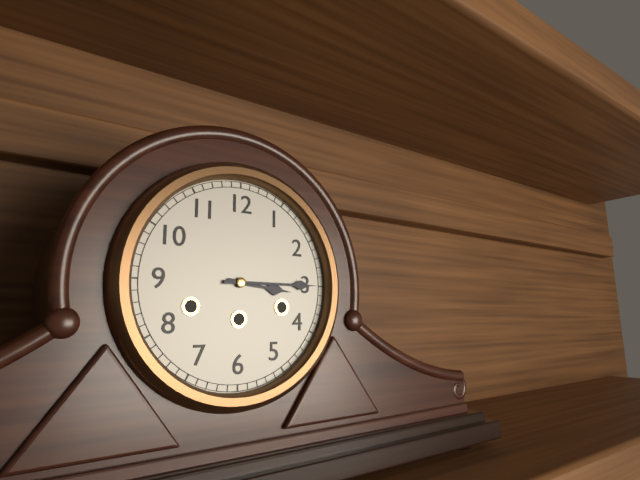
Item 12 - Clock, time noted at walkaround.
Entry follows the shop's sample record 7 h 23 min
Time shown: 3 h 15 min
